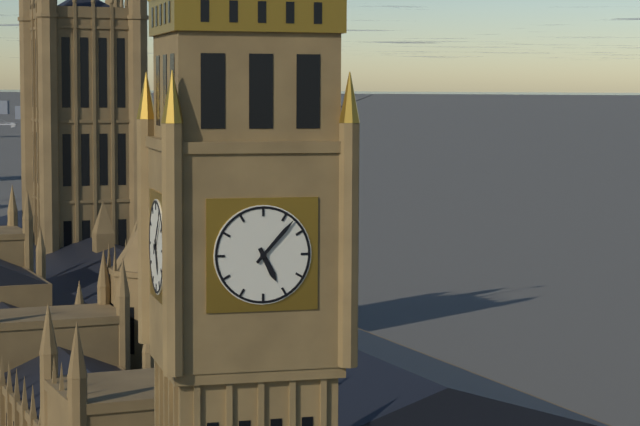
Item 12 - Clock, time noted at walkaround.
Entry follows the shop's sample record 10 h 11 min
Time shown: 5 h 07 min
